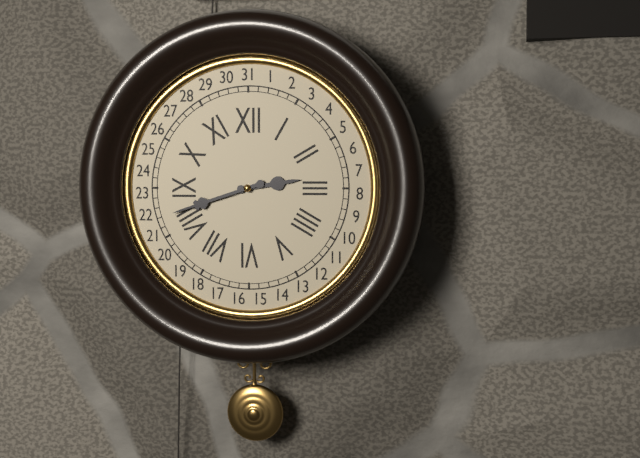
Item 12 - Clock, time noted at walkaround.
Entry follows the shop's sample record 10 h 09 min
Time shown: 2 h 42 min
